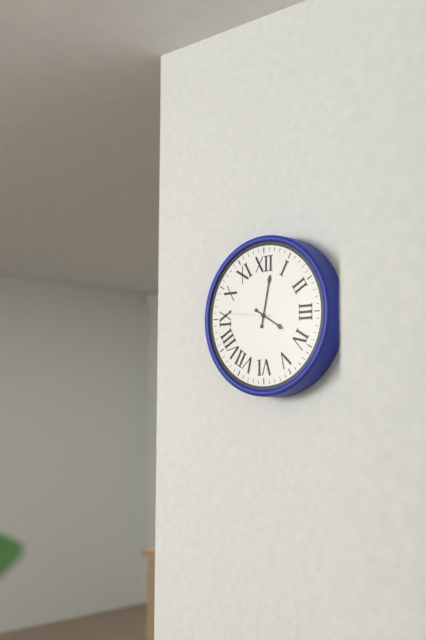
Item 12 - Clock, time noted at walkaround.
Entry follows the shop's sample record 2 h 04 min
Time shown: 4 h 02 min
